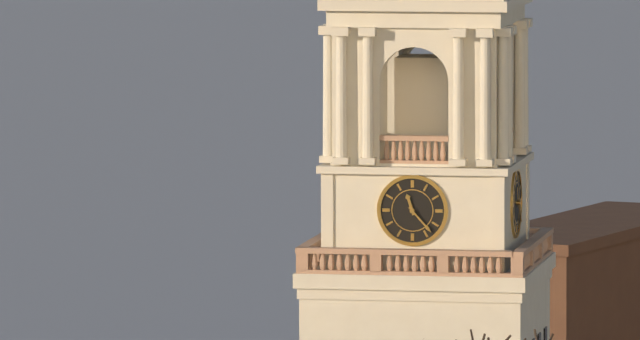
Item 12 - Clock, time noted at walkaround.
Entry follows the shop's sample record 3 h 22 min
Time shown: 11 h 23 min
